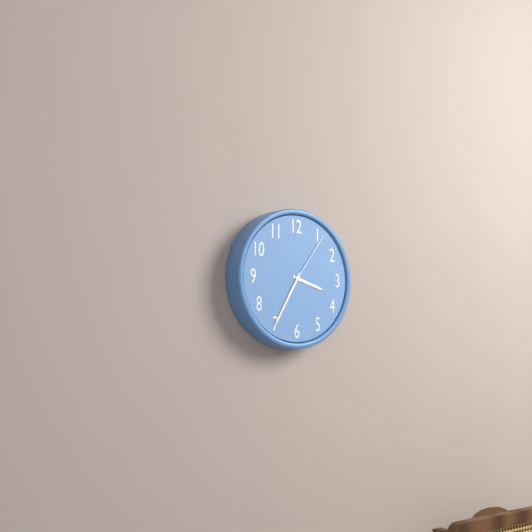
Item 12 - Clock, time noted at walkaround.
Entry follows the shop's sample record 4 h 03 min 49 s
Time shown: 3 h 35 min 06 s
